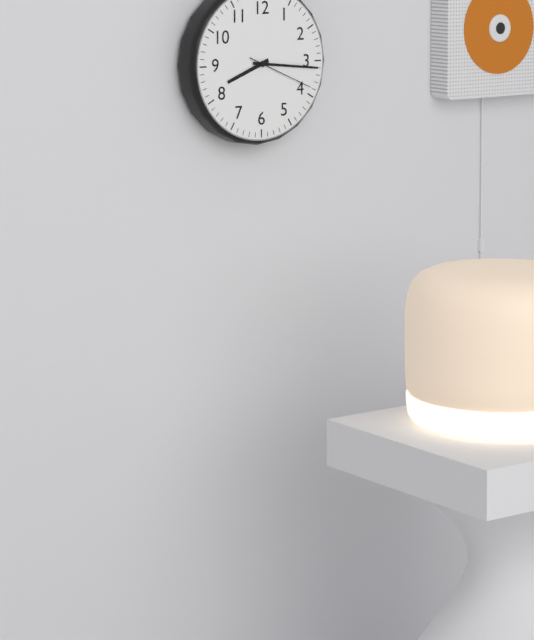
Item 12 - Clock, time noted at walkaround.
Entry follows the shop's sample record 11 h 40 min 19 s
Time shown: 8 h 16 min 19 s
